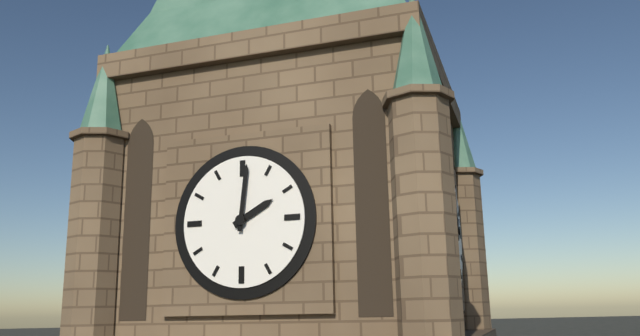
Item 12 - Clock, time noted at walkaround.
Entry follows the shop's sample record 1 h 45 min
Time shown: 2 h 01 min
